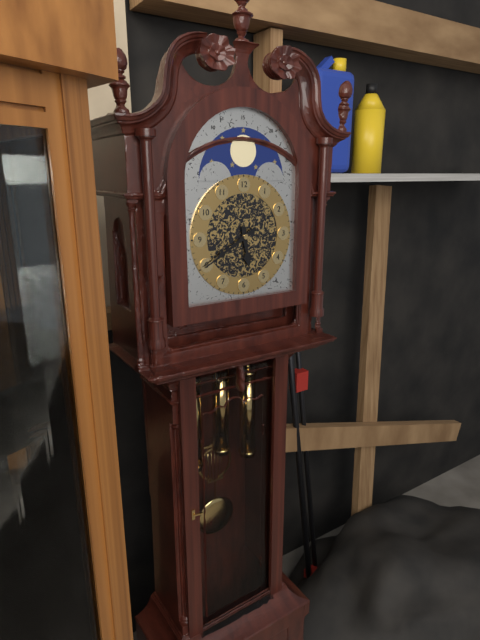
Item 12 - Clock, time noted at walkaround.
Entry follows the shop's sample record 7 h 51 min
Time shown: 5 h 40 min
